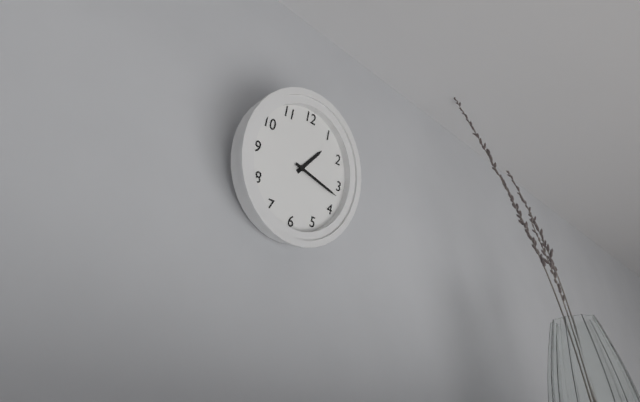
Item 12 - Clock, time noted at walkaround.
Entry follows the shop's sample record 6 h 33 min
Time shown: 1 h 17 min
